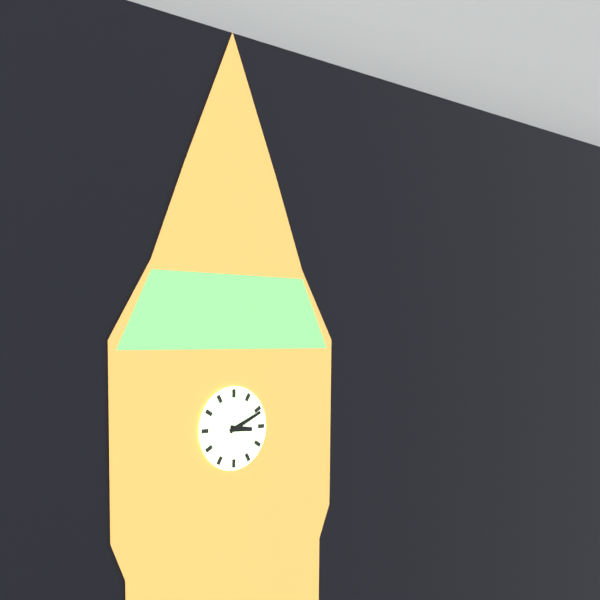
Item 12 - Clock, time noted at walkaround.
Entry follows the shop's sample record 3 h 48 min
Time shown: 3 h 11 min
